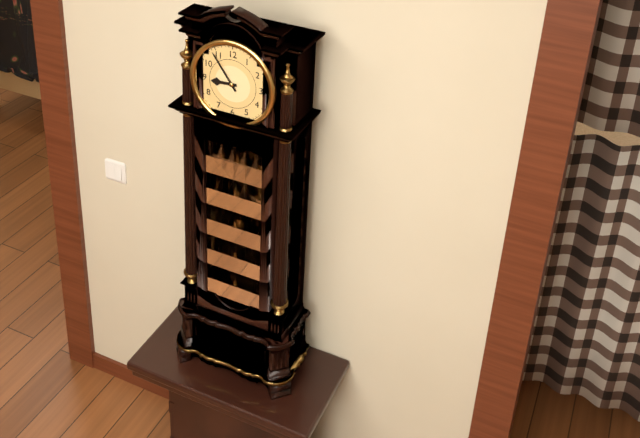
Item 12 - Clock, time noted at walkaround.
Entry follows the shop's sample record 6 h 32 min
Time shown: 8 h 54 min
